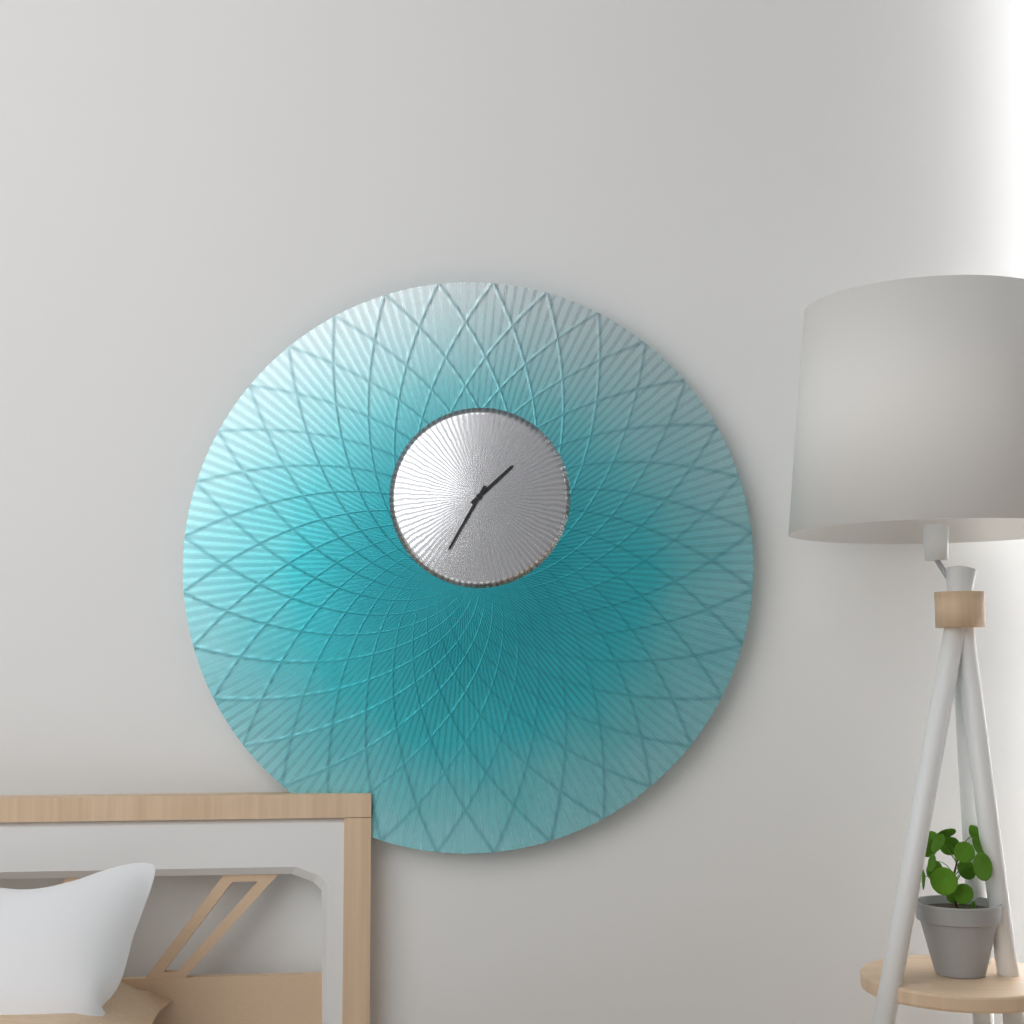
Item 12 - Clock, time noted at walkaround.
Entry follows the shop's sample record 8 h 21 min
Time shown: 1 h 35 min
